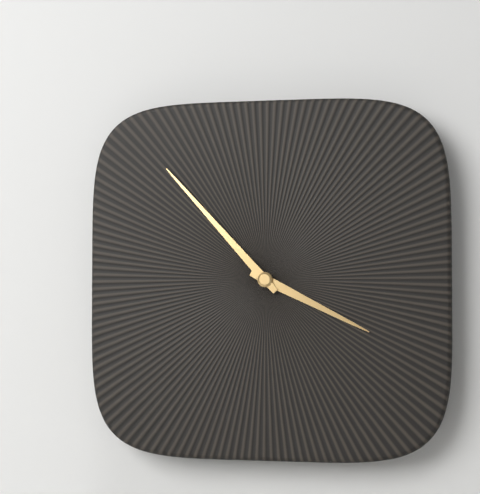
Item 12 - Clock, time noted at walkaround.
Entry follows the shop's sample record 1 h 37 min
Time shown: 3 h 53 min
